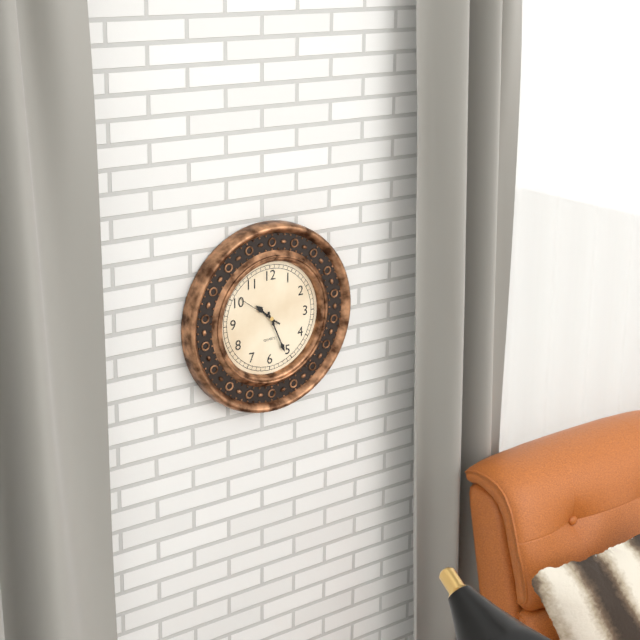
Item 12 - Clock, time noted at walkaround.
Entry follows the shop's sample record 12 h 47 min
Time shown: 10 h 26 min
